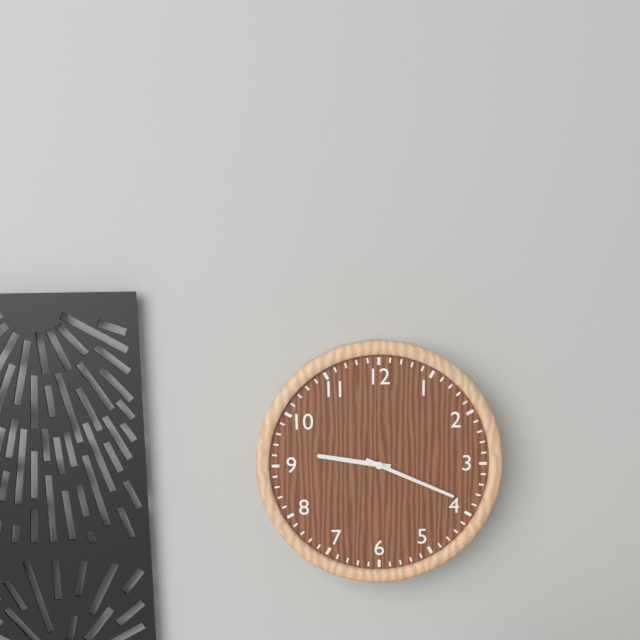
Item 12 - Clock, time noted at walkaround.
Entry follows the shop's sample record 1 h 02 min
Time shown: 9 h 19 min
